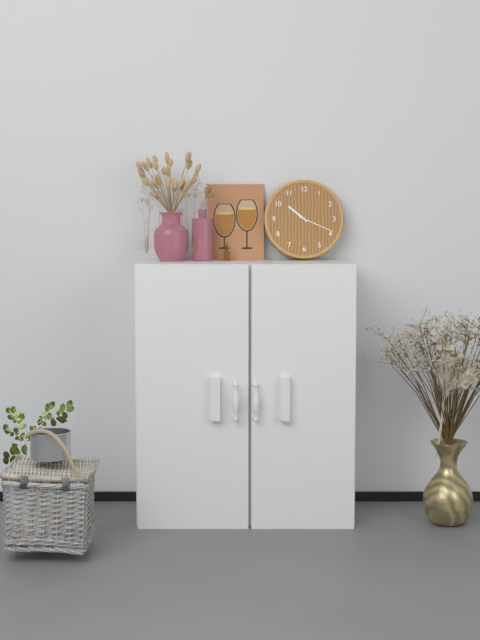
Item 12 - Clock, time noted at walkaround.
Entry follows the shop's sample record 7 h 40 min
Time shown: 10 h 19 min
